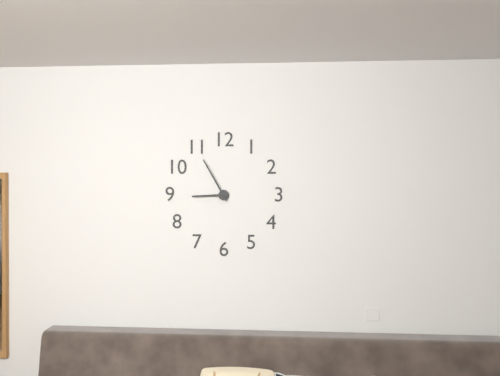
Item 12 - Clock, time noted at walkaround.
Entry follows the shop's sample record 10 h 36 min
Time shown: 8 h 55 min
